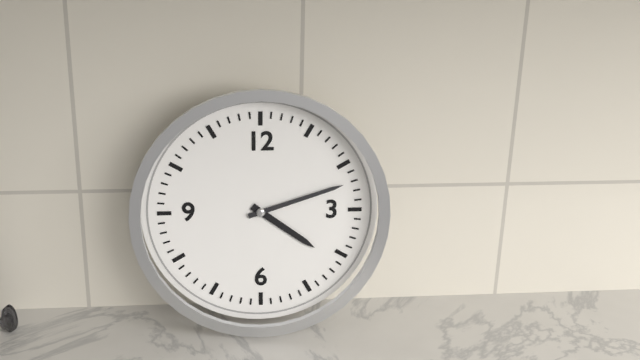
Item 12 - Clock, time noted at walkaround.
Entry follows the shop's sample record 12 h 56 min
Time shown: 4 h 12 min
